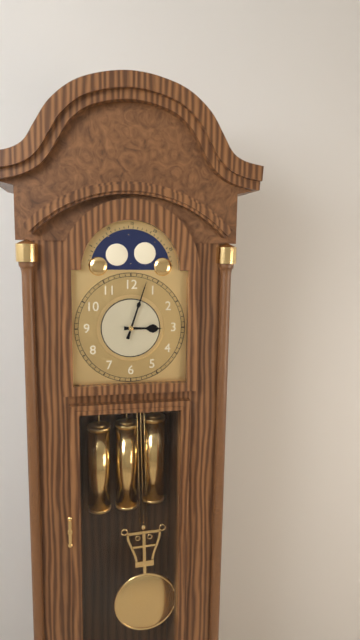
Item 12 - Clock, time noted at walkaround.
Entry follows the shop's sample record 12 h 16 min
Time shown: 3 h 03 min
